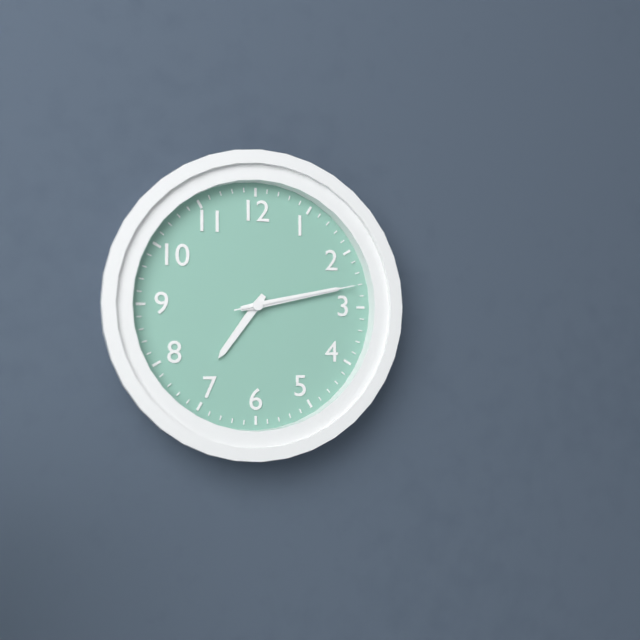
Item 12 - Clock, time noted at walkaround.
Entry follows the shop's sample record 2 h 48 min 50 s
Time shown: 7 h 13 min 13 s
